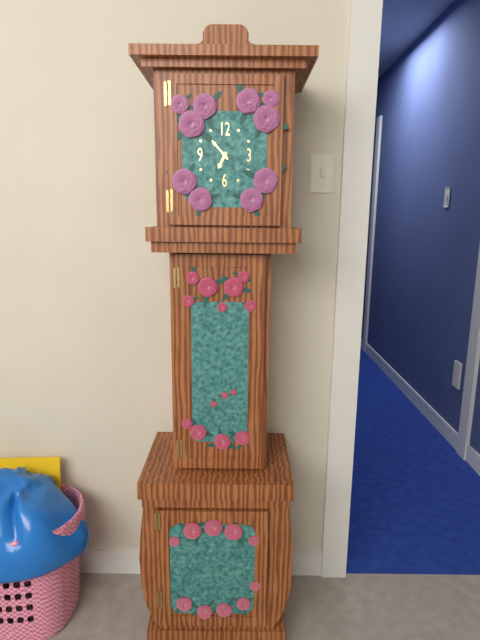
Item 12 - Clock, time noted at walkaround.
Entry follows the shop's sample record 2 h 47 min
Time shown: 6 h 53 min
